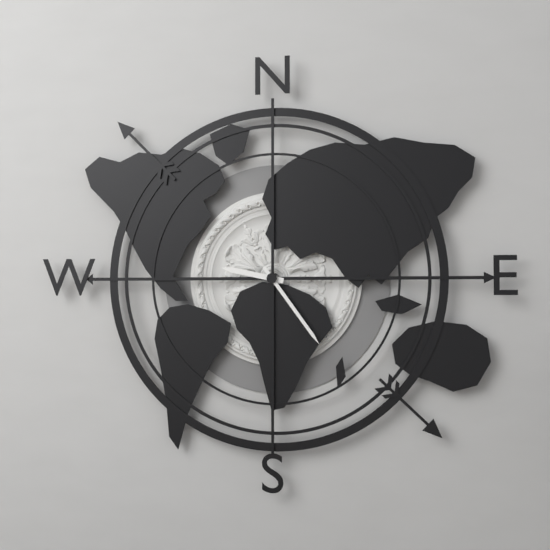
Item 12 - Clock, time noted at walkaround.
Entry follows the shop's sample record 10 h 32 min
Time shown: 9 h 24 min
